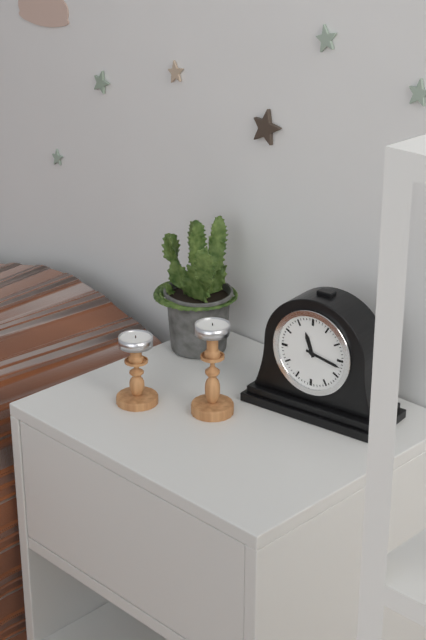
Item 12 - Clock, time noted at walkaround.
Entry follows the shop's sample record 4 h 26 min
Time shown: 11 h 17 min
